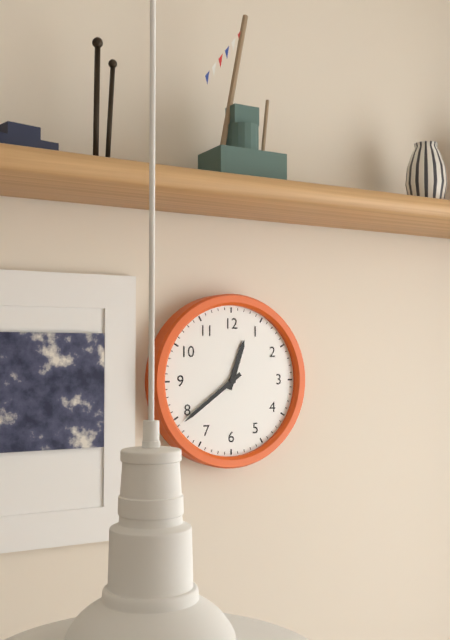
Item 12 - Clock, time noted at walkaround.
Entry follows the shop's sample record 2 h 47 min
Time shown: 12 h 39 min
